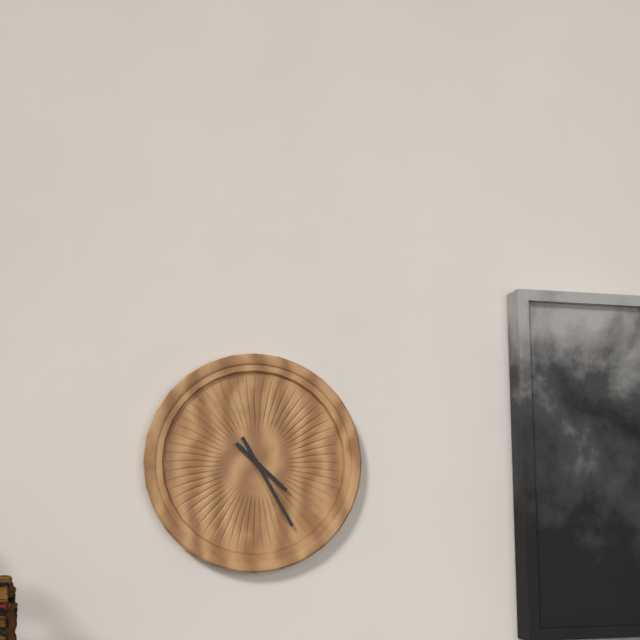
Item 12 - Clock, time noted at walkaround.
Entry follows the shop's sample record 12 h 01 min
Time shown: 4 h 25 min
